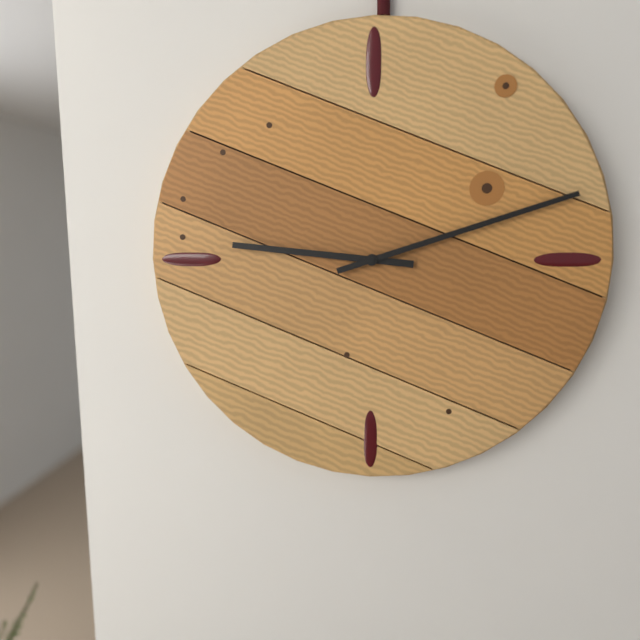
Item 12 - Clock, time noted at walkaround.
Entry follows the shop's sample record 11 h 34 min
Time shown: 9 h 12 min
